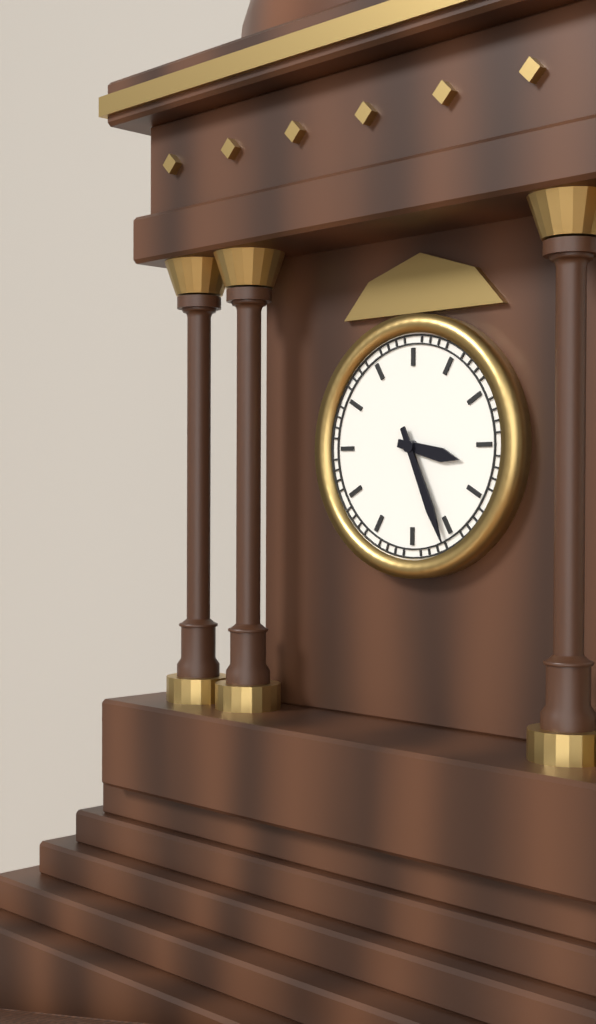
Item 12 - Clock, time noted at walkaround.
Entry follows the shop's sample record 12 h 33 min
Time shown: 3 h 26 min
